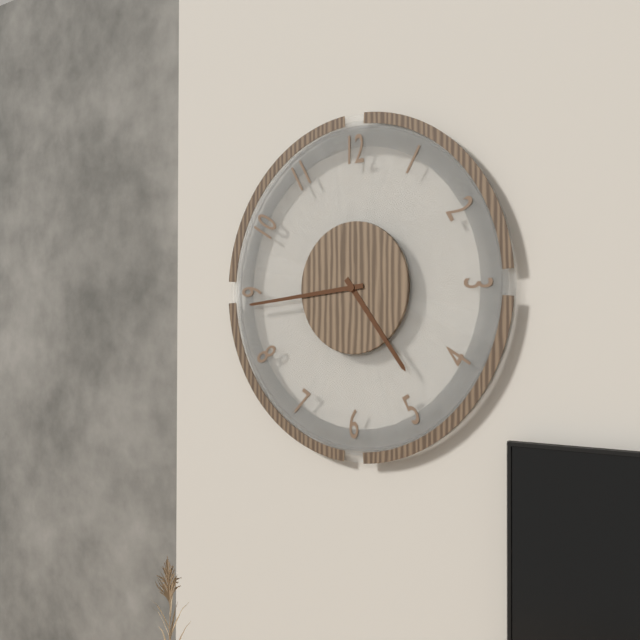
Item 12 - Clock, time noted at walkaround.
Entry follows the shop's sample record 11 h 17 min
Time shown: 4 h 44 min
